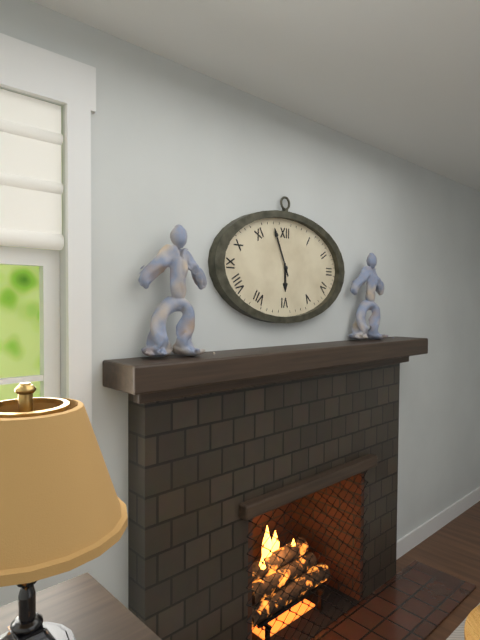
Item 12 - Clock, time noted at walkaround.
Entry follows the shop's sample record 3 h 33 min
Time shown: 5 h 56 min
